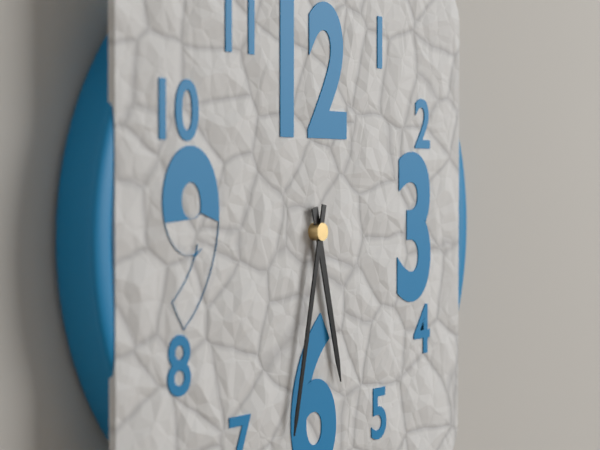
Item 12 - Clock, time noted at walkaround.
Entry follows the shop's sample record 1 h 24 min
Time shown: 5 h 32 min
